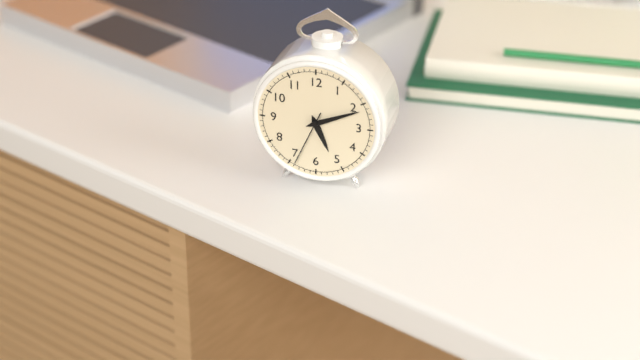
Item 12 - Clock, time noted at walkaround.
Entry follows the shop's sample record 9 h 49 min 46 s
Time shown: 5 h 11 min 34 s
